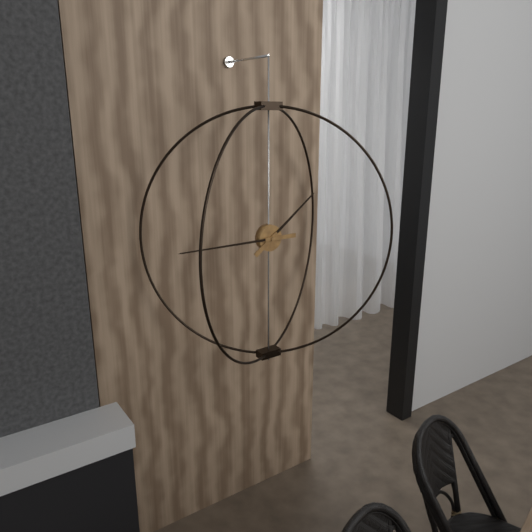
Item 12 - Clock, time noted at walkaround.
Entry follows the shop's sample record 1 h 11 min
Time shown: 1 h 45 min
